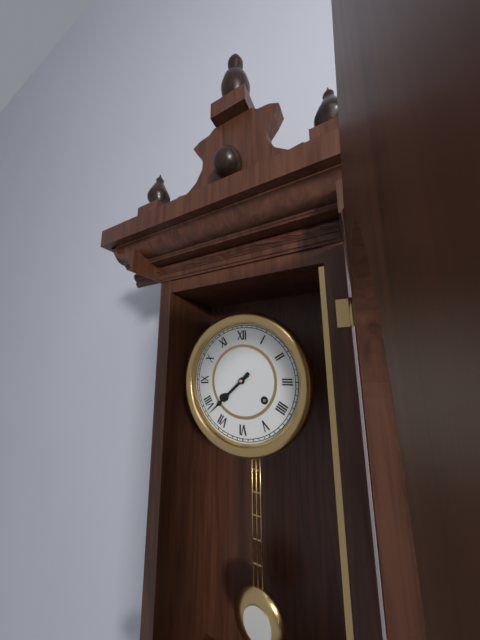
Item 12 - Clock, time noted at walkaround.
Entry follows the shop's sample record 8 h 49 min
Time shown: 7 h 38 min
